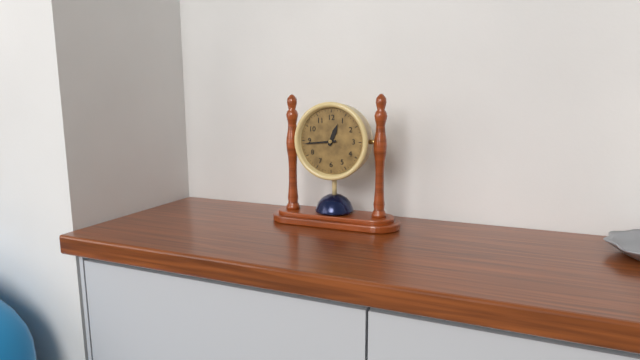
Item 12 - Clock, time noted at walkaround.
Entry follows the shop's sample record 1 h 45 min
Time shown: 12 h 44 min
